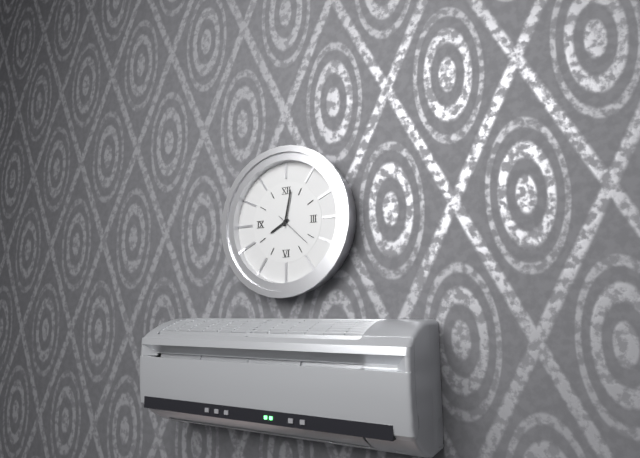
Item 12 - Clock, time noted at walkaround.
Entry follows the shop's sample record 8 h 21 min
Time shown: 8 h 02 min
